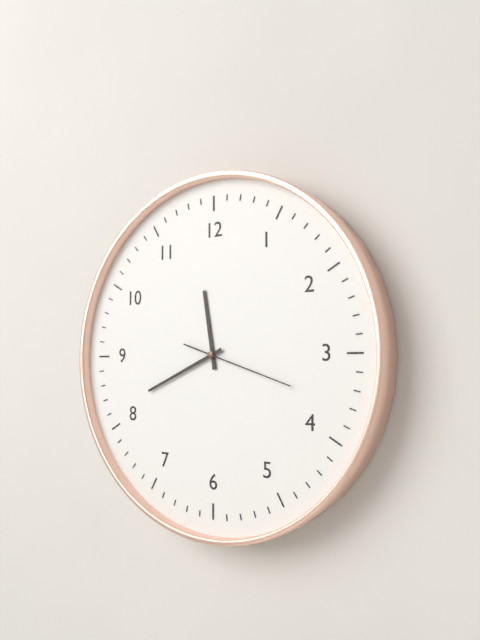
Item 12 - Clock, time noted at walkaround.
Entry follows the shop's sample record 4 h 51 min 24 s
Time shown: 11 h 41 min 18 s
